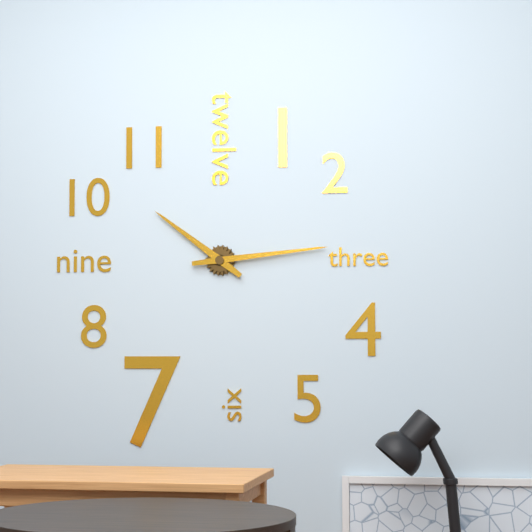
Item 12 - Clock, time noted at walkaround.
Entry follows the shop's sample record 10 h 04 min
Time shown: 10 h 14 min
